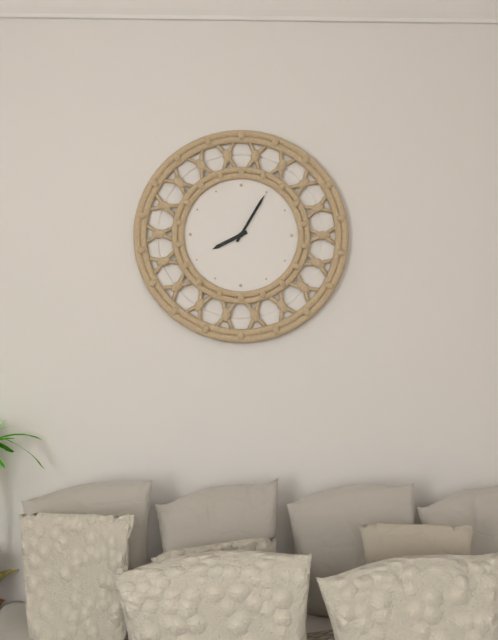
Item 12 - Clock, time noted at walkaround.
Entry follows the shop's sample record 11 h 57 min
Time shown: 8 h 05 min
